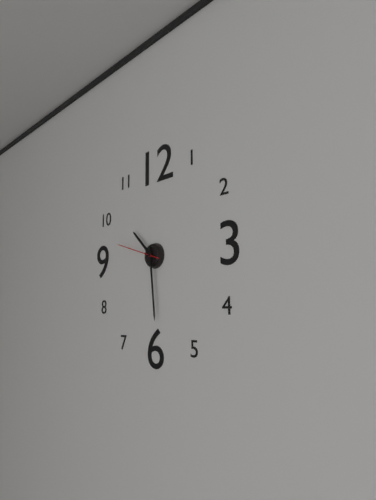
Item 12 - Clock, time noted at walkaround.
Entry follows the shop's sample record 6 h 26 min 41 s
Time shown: 10 h 29 min 48 s
